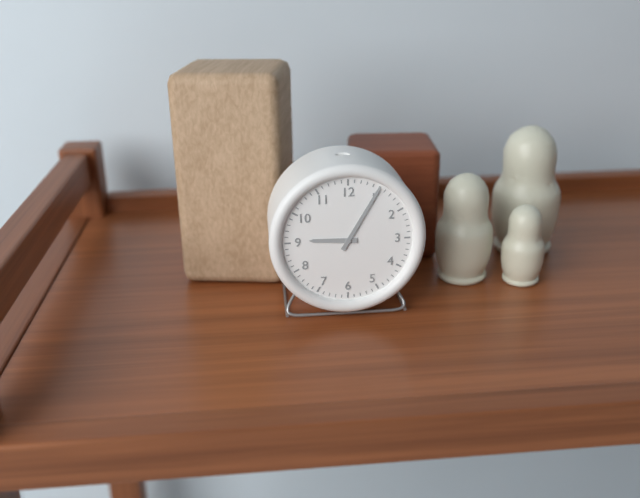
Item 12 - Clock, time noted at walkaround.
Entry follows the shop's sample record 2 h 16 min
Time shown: 9 h 05 min
